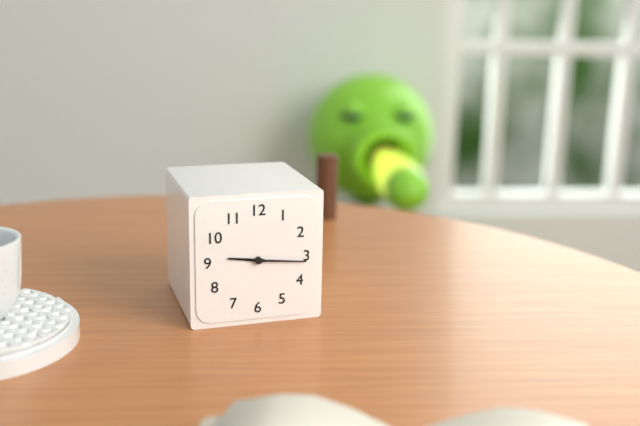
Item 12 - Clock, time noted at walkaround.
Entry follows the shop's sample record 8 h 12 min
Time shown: 9 h 16 min
